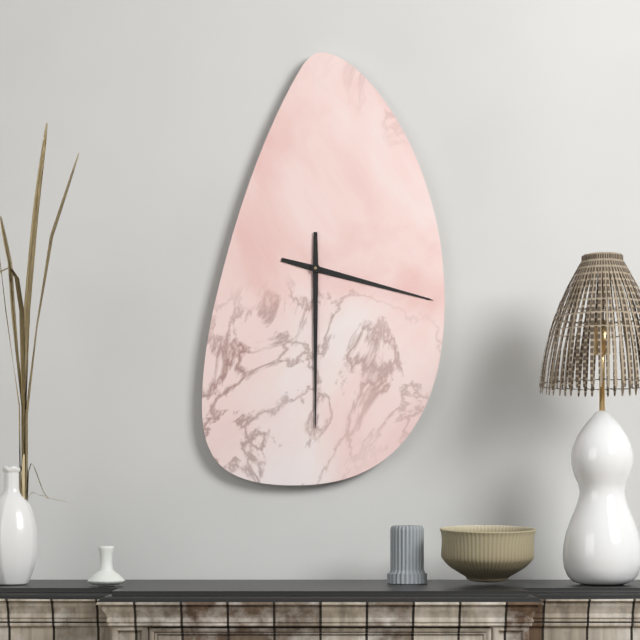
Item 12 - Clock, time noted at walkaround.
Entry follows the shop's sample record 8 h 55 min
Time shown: 3 h 30 min
